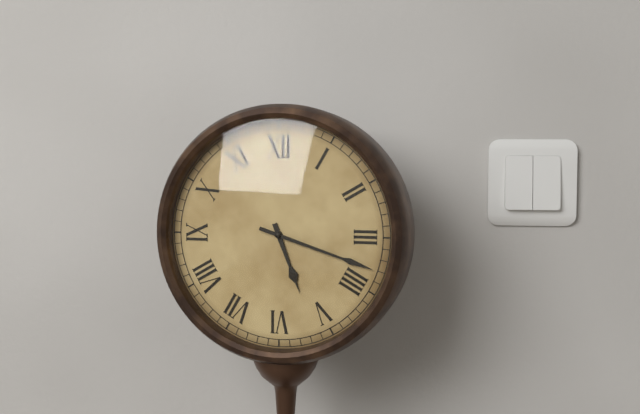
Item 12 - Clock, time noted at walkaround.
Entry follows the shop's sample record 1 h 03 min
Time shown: 5 h 18 min
